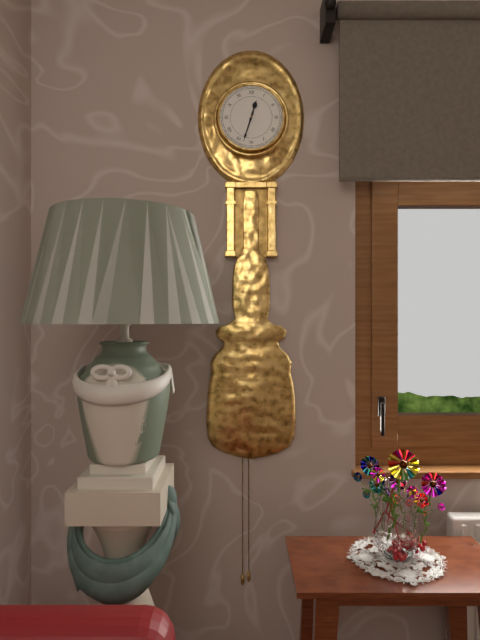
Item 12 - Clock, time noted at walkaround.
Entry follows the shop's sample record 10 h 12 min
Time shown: 12 h 33 min
